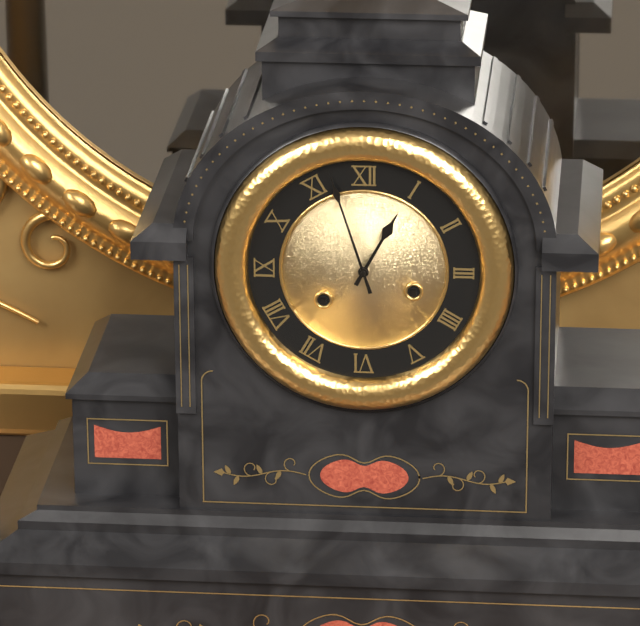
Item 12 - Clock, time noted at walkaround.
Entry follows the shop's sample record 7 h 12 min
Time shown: 12 h 57 min
